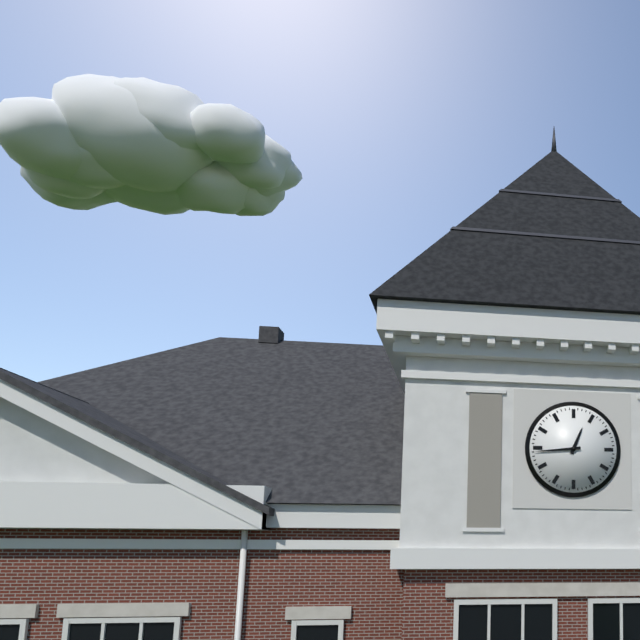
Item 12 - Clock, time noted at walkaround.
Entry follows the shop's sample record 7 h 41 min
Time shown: 12 h 44 min
